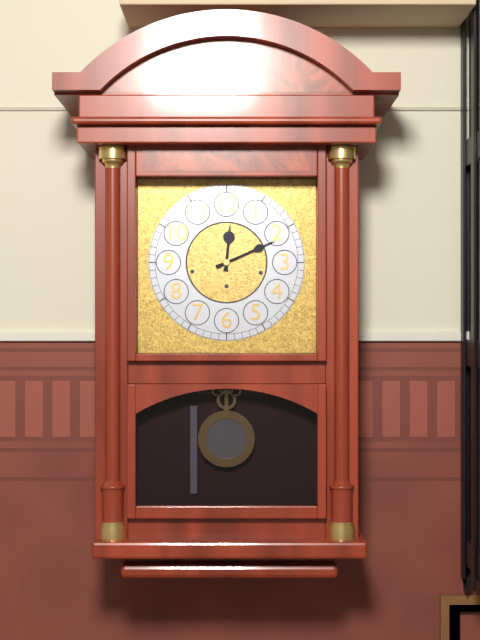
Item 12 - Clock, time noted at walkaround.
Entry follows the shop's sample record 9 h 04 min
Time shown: 12 h 11 min
